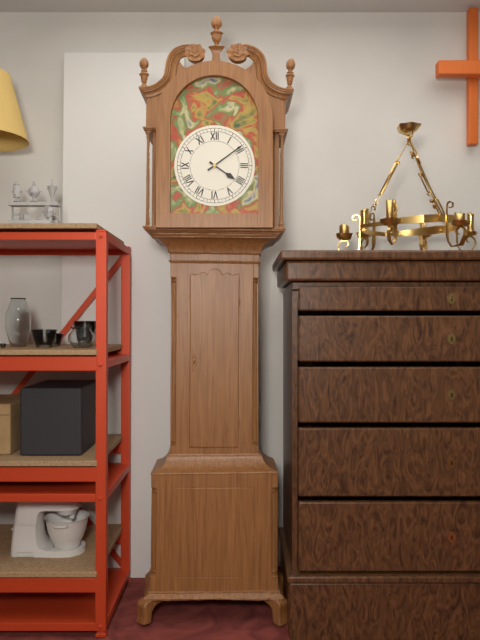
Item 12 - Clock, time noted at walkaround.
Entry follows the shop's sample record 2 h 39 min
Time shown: 4 h 09 min
